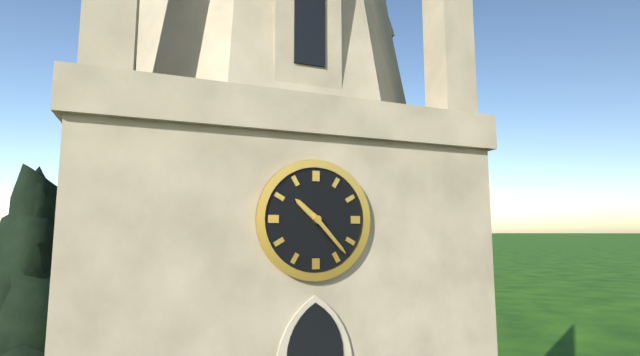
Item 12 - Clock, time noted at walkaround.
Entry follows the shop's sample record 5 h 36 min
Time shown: 10 h 23 min
